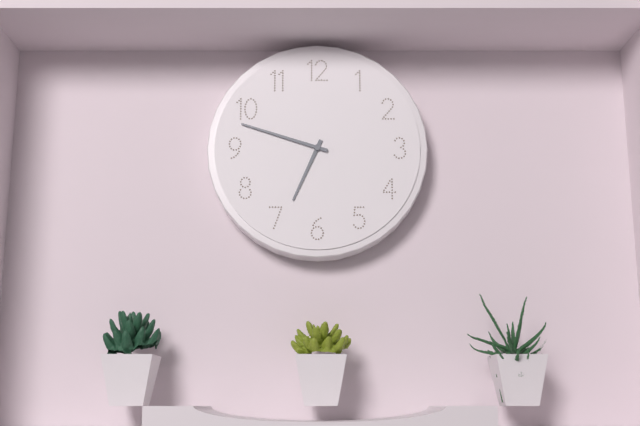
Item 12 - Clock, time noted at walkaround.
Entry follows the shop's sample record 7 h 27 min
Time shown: 6 h 48 min
